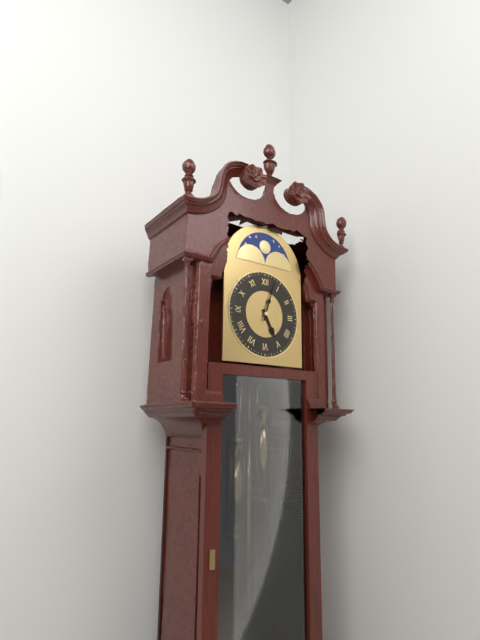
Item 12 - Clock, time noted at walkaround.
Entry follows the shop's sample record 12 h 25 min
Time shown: 5 h 03 min
